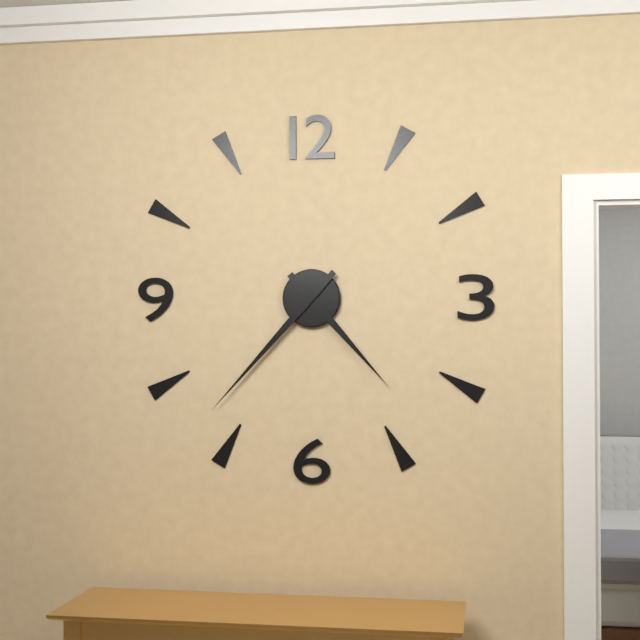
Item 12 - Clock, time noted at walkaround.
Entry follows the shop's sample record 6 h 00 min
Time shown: 4 h 37 min
